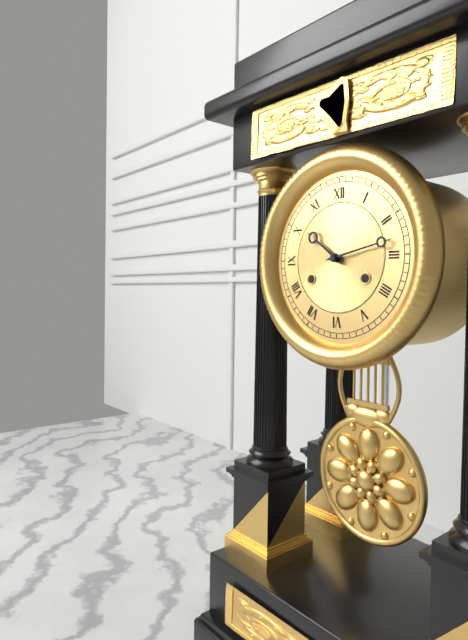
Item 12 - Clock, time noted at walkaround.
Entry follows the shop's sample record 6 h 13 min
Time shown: 10 h 13 min
